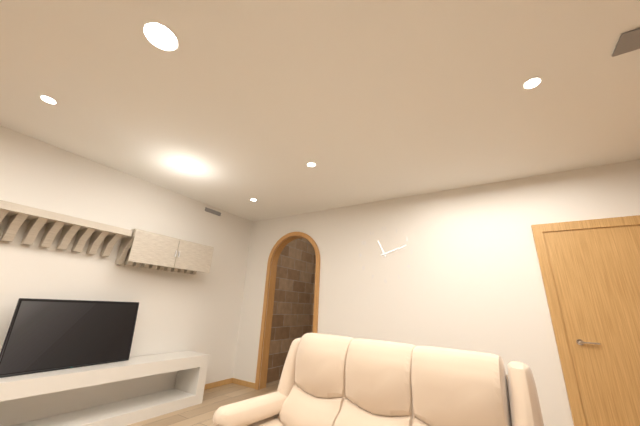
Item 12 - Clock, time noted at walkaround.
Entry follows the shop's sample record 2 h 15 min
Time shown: 11 h 12 min
